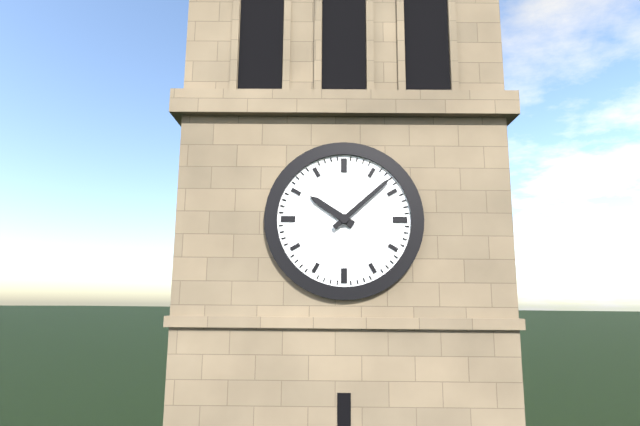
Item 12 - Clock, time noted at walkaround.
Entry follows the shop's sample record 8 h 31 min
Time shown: 10 h 08 min
